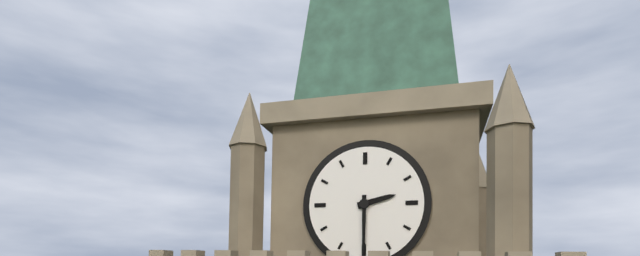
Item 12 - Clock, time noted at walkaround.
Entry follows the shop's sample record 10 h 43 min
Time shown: 2 h 30 min
